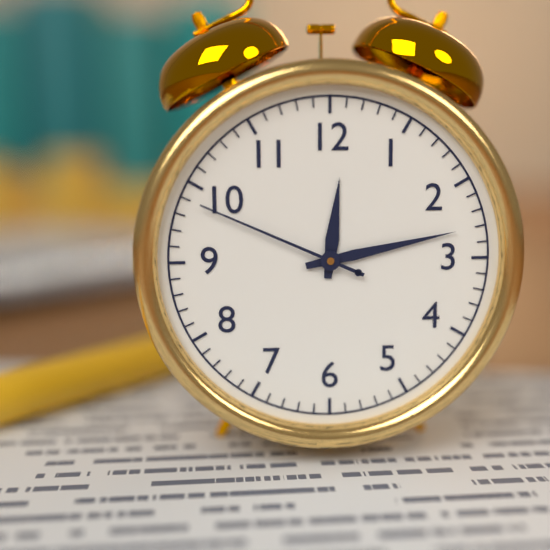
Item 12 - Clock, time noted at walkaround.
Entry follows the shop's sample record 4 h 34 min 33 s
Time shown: 12 h 13 min 49 s
